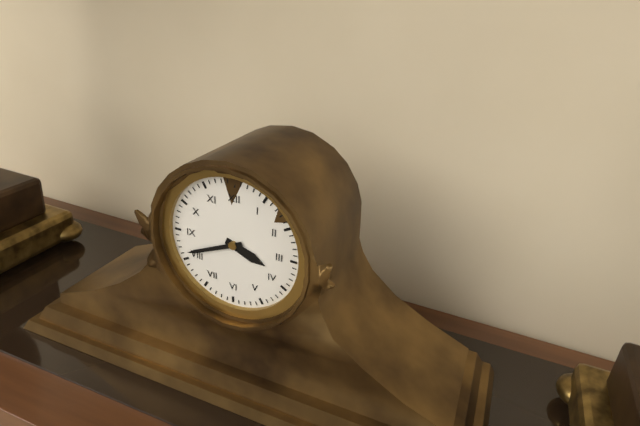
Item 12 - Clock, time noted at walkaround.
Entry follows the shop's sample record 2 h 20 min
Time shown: 3 h 41 min
